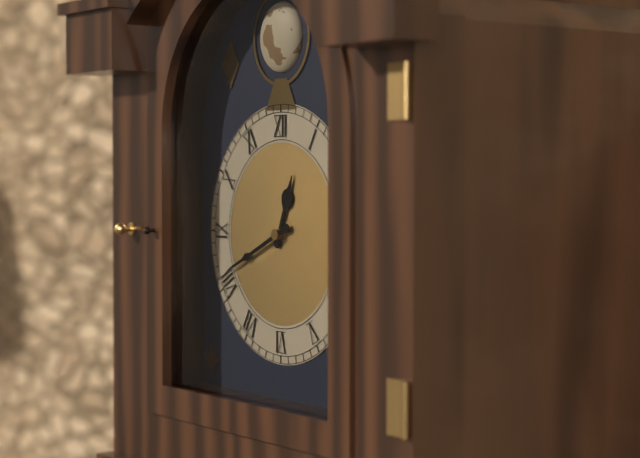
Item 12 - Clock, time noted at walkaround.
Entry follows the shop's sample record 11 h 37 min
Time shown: 12 h 41 min
